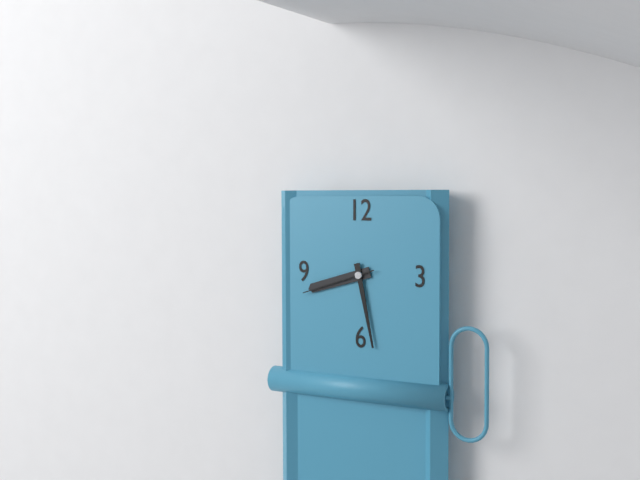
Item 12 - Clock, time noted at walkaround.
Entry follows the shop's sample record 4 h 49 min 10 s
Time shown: 8 h 28 min 42 s
